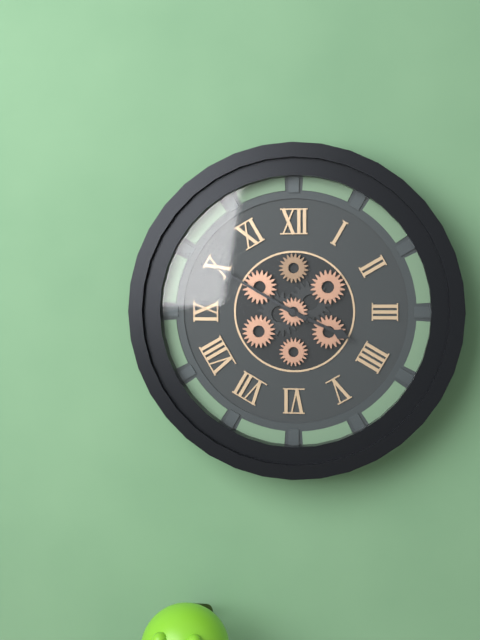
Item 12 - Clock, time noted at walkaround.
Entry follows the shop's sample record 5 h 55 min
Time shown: 3 h 50 min
